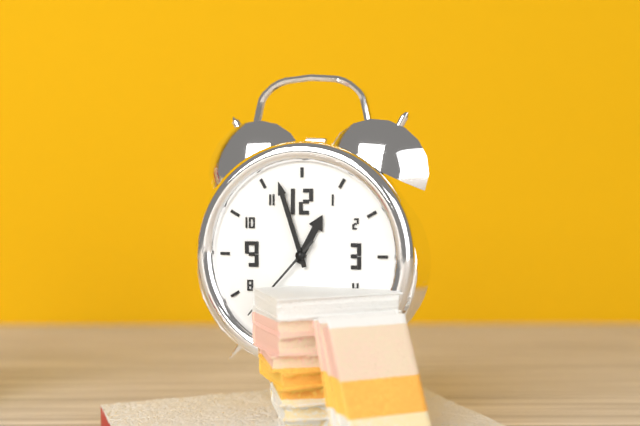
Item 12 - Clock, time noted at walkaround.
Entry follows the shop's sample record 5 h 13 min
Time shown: 12 h 57 min
